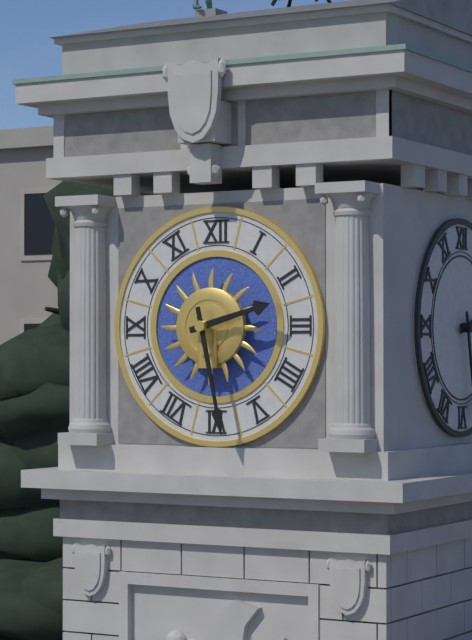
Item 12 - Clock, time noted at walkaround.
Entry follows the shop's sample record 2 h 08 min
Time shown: 2 h 28 min
